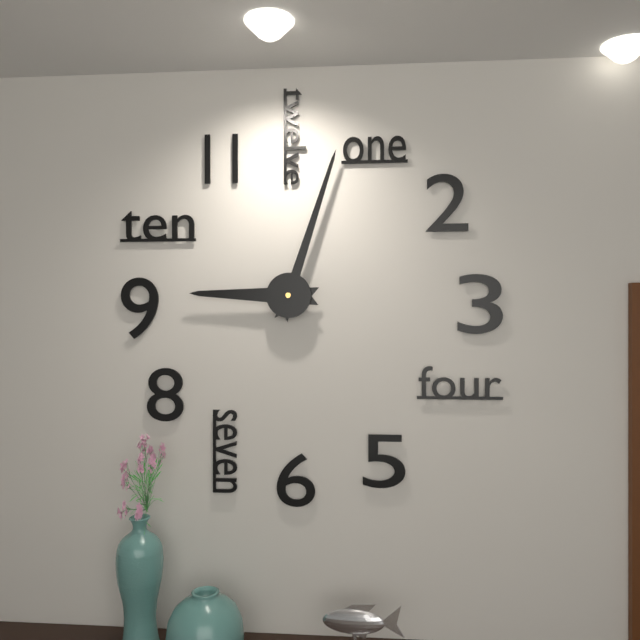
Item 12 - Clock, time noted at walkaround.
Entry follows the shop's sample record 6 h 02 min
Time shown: 9 h 03 min
